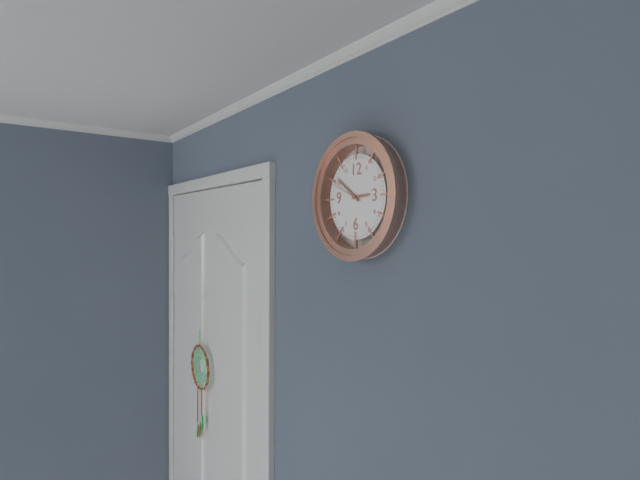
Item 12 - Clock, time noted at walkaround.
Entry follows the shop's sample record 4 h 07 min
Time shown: 2 h 51 min
